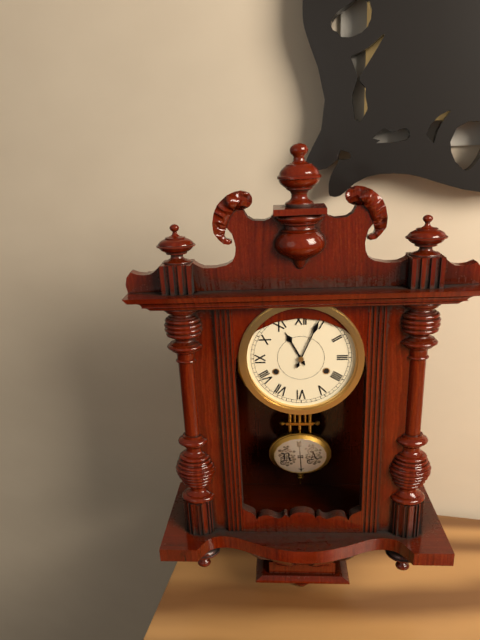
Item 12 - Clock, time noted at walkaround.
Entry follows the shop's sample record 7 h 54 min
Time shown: 11 h 04 min
